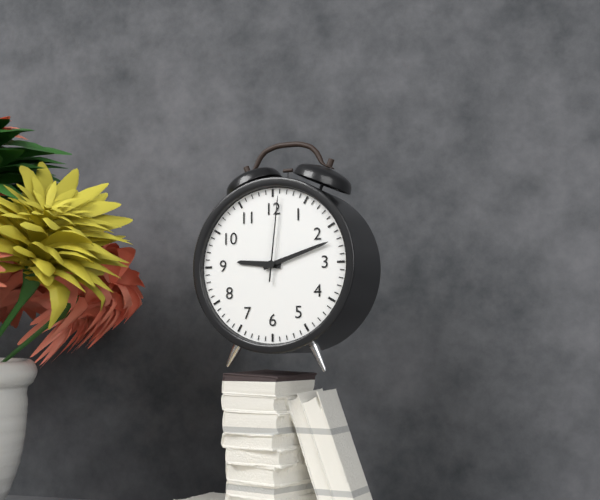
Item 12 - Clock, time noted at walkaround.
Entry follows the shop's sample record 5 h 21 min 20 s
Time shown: 9 h 12 min 01 s
